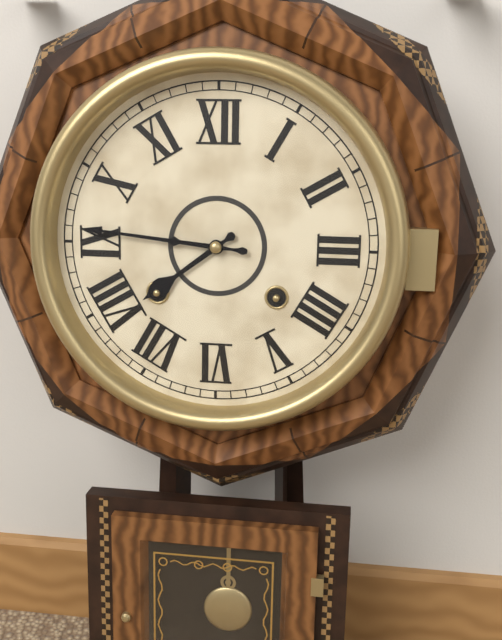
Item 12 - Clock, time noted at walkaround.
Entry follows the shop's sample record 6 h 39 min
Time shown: 7 h 46 min
